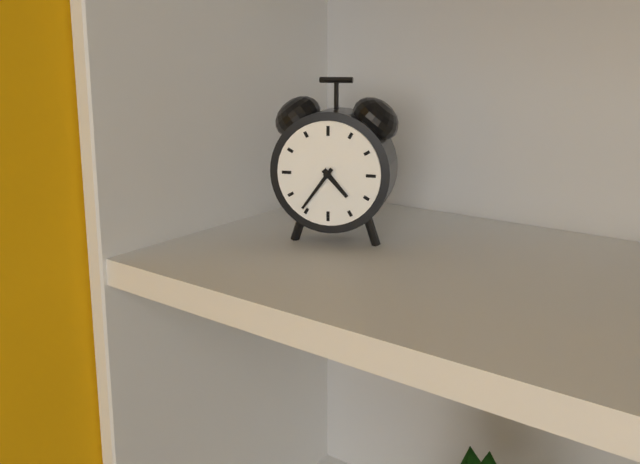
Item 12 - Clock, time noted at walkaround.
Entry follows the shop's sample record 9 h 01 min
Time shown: 4 h 36 min
